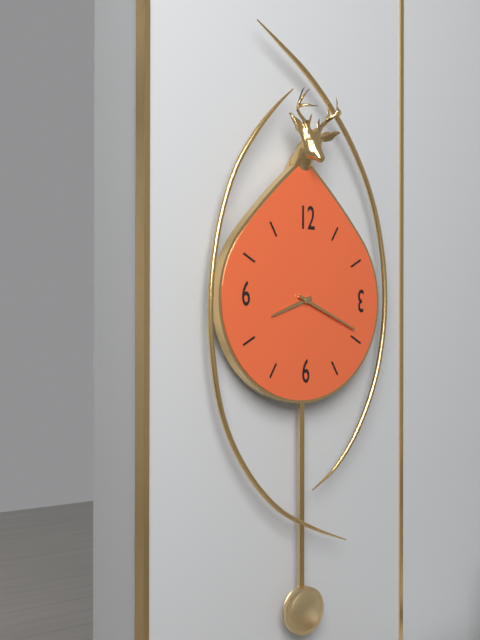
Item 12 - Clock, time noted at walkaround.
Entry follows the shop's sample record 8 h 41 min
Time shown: 8 h 19 min
